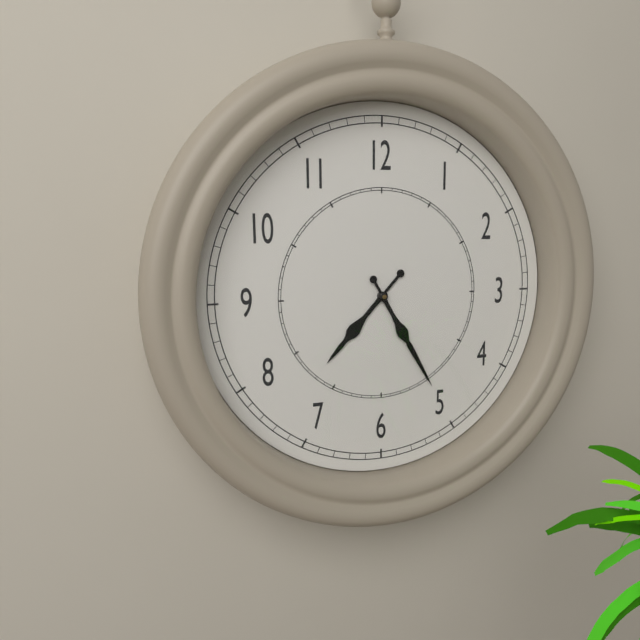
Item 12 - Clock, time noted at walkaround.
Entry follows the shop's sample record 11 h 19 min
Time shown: 7 h 25 min
